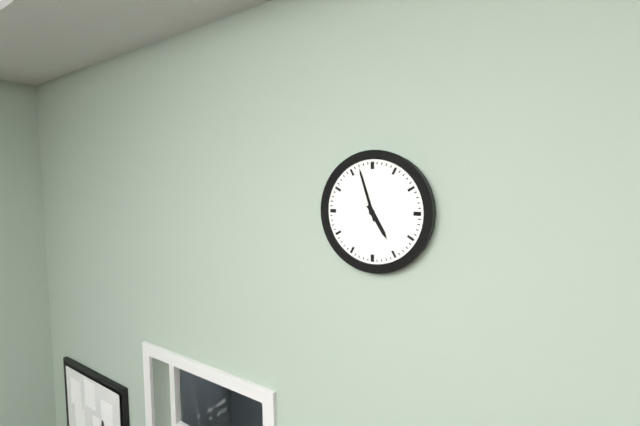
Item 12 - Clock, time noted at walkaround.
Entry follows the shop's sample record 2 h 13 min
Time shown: 4 h 57 min
